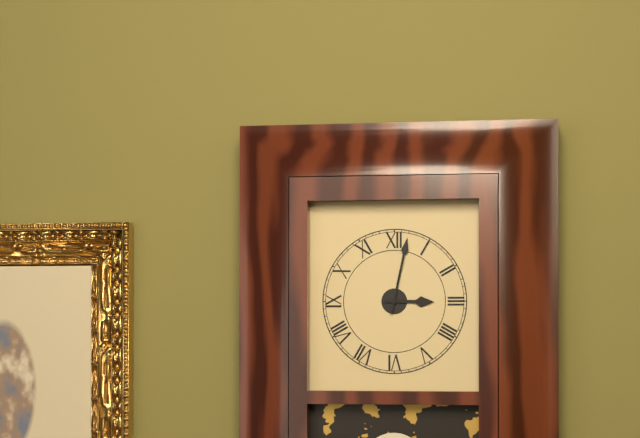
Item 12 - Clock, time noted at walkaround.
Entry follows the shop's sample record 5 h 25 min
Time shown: 3 h 02 min
